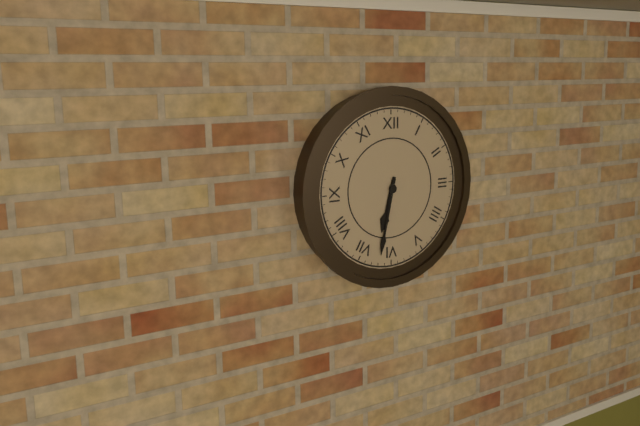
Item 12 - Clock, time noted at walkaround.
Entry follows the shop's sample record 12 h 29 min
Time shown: 6 h 32 min
